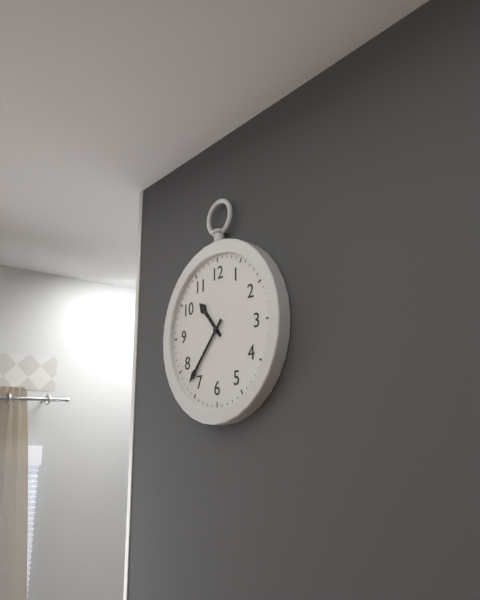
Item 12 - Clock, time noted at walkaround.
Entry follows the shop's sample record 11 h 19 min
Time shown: 10 h 37 min
